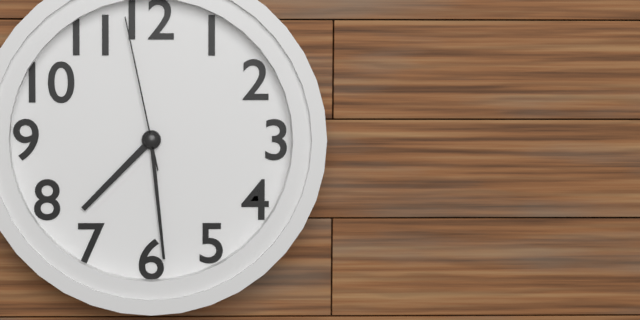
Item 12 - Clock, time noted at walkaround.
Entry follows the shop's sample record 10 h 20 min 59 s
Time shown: 7 h 29 min 58 s
